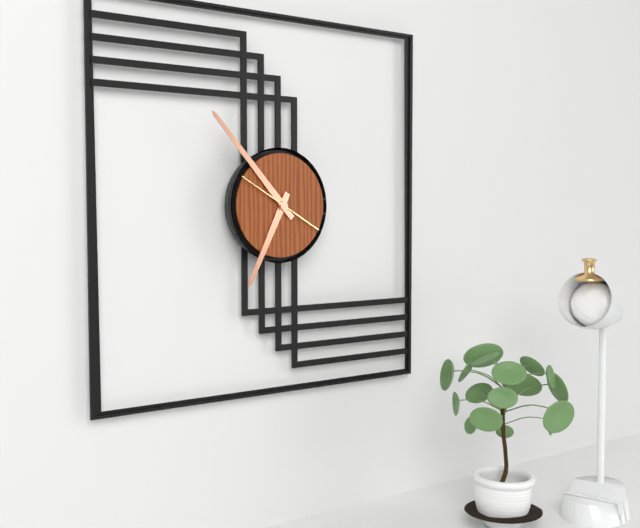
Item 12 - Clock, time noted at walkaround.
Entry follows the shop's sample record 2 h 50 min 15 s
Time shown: 6 h 53 min 50 s
